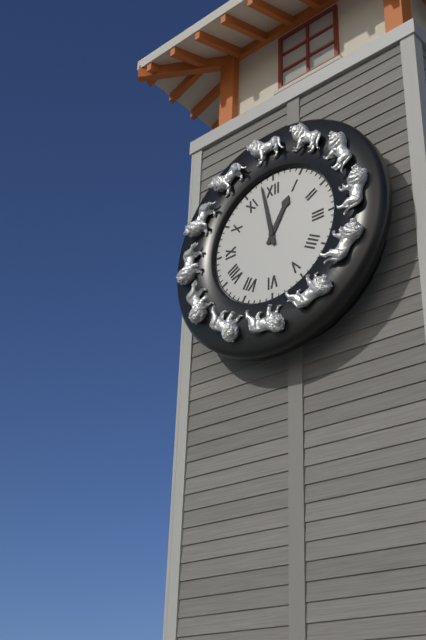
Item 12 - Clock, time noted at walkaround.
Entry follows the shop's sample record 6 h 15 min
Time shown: 12 h 58 min
